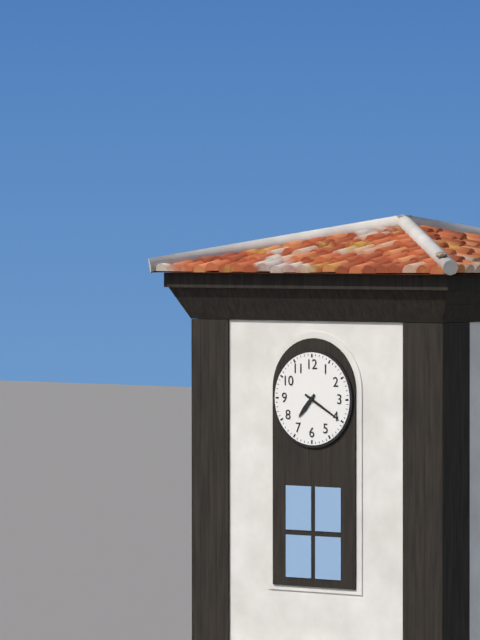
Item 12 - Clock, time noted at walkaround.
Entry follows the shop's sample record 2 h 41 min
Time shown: 7 h 20 min
